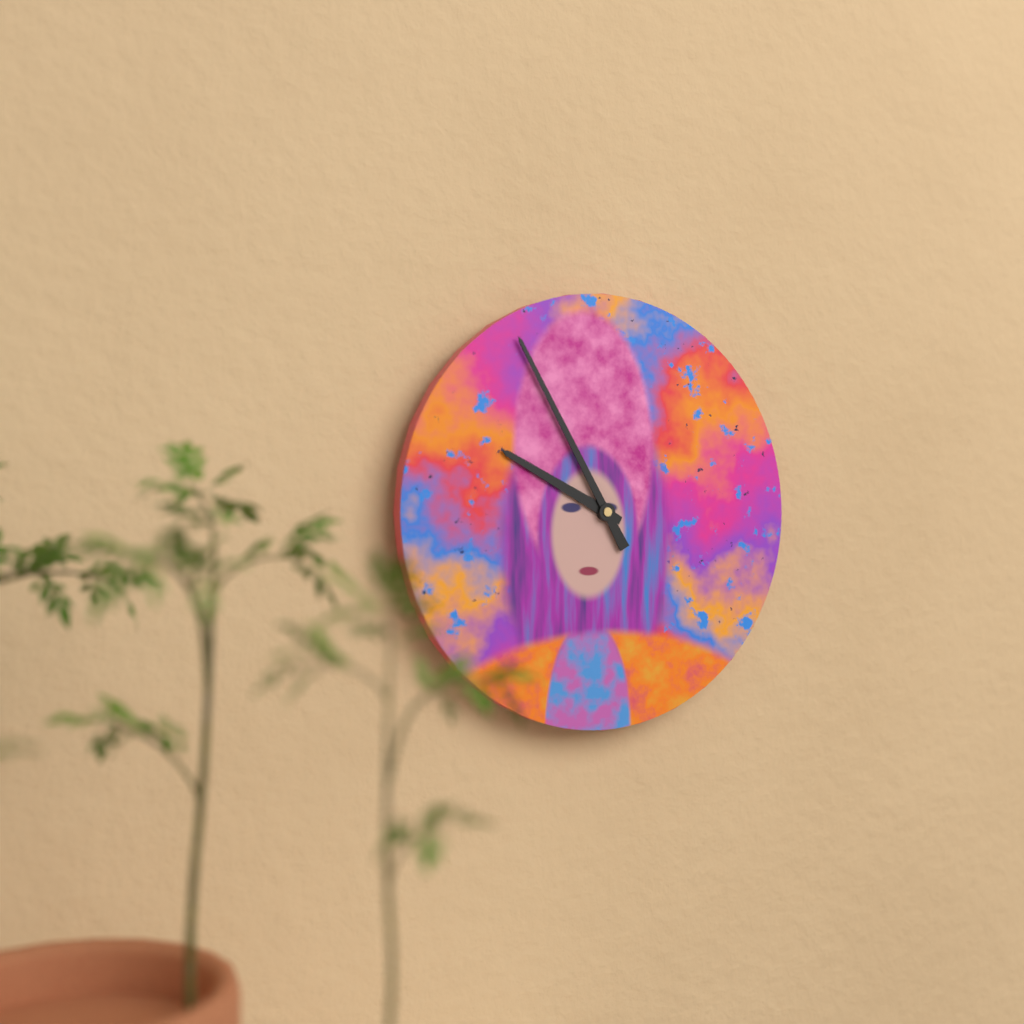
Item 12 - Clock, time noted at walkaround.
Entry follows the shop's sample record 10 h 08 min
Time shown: 9 h 55 min
